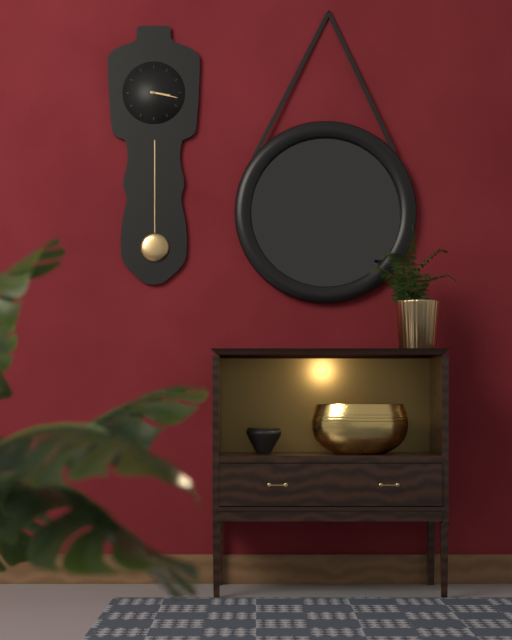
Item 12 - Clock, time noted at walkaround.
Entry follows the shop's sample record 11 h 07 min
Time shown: 3 h 17 min
